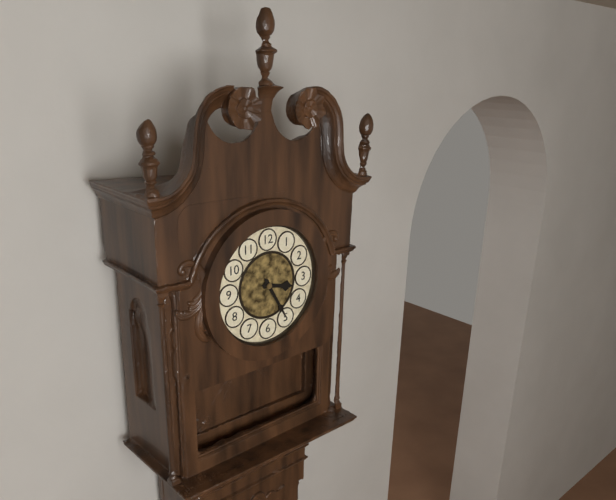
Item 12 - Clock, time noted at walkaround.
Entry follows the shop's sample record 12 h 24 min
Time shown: 3 h 25 min
